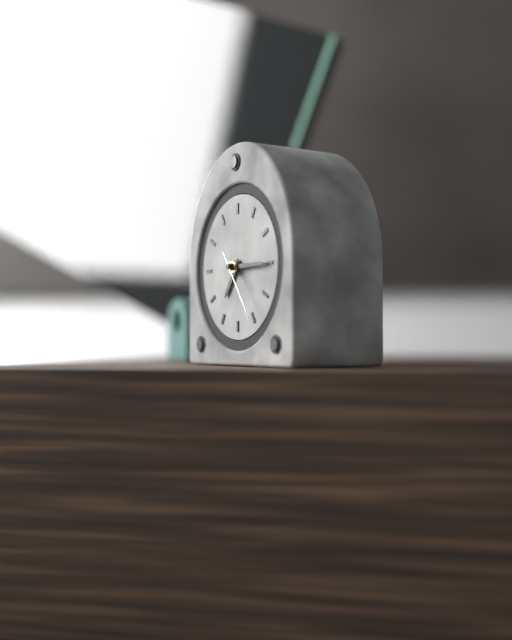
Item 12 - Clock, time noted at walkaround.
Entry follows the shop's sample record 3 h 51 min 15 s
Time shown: 7 h 15 min 24 s
